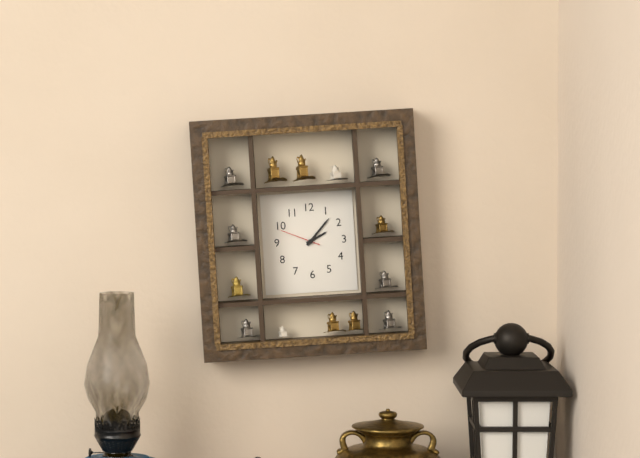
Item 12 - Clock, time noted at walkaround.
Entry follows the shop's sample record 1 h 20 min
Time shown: 2 h 07 min
